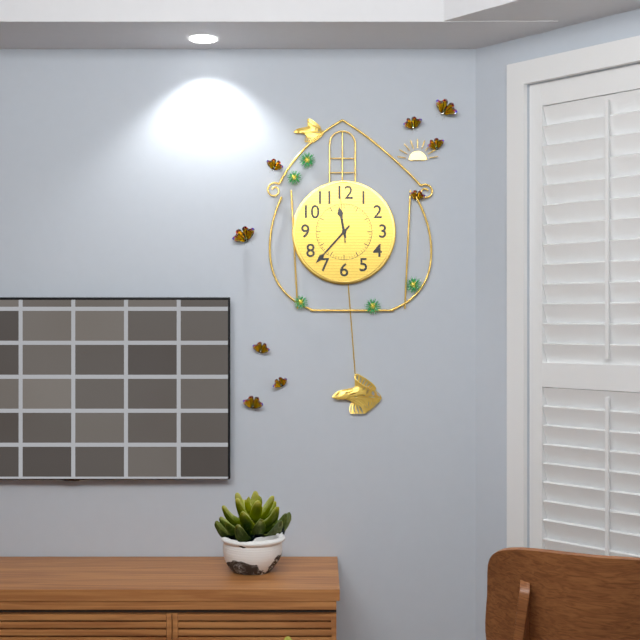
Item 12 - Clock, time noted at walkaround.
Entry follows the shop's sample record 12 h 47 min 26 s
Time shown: 11 h 37 min 59 s
